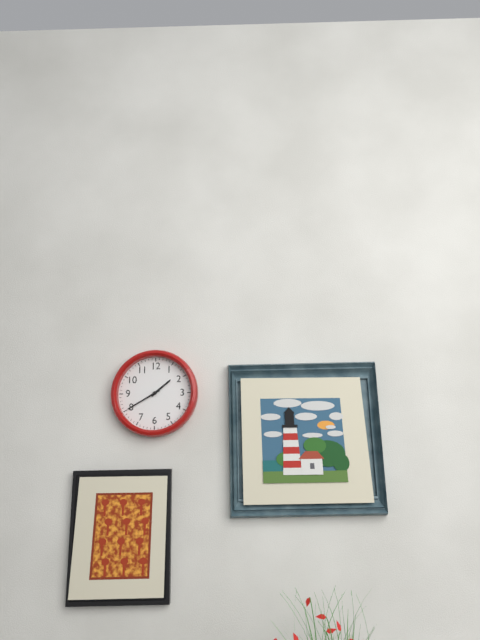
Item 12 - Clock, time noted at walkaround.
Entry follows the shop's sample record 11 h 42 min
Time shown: 1 h 40 min
